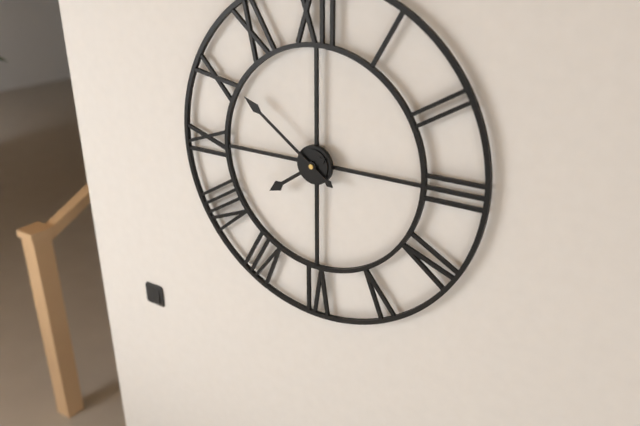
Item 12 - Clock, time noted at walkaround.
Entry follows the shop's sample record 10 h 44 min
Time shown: 7 h 51 min
